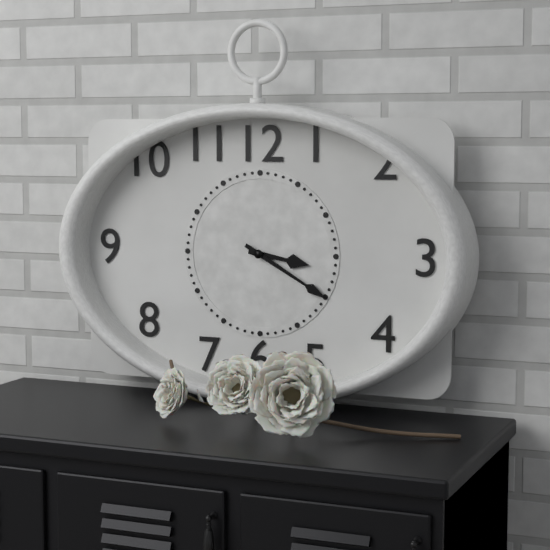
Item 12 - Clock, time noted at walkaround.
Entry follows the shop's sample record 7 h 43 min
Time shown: 3 h 20 min
